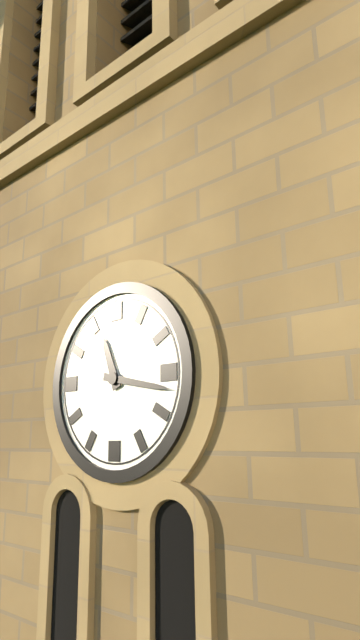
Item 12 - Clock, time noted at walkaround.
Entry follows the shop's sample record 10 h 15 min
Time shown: 11 h 17 min
